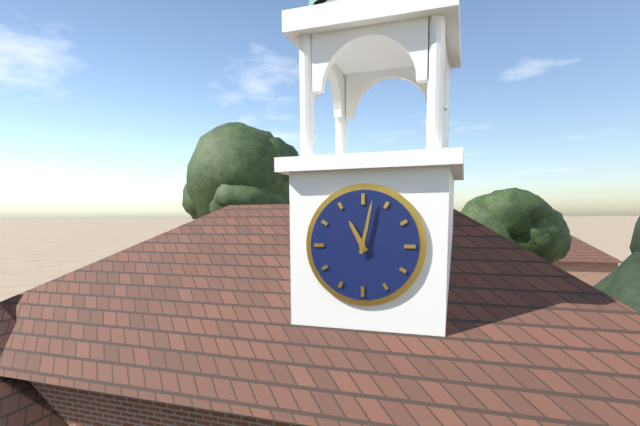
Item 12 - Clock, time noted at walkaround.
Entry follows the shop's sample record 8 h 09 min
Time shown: 11 h 02 min
